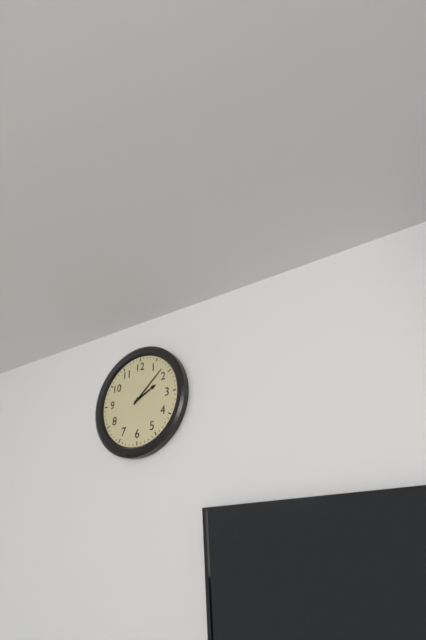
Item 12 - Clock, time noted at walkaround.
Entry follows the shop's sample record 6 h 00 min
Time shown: 2 h 08 min
